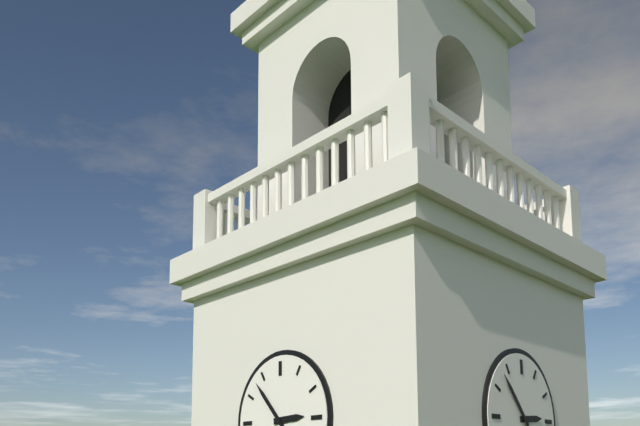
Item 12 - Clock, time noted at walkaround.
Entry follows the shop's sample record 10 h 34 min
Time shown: 2 h 53 min
